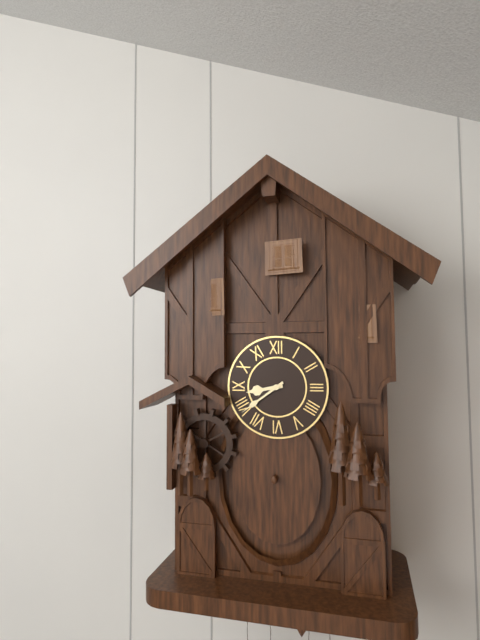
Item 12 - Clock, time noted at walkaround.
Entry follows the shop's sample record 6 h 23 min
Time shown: 8 h 39 min
